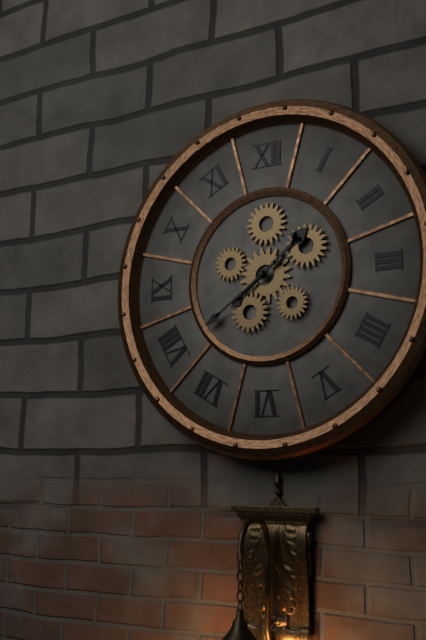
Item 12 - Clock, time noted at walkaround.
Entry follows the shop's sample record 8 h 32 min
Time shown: 1 h 39 min
